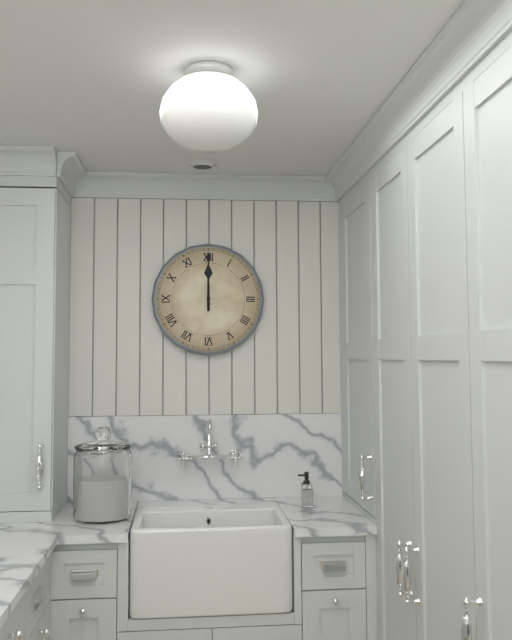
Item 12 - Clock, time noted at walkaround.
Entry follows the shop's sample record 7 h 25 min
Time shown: 12 h 00 min
